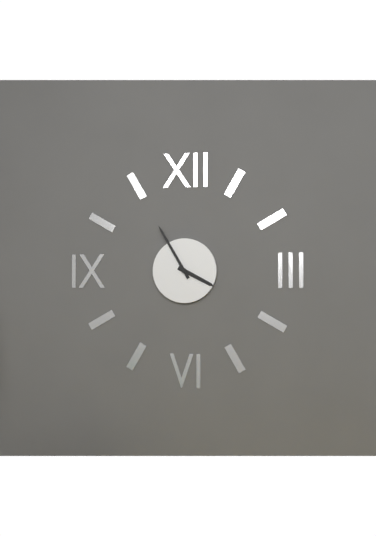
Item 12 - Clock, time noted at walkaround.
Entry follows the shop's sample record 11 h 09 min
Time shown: 3 h 55 min
